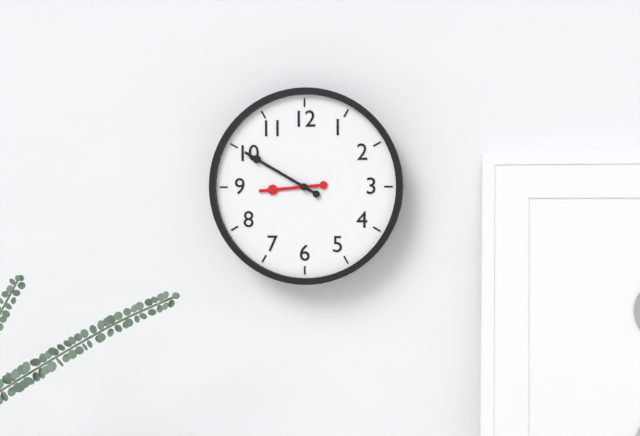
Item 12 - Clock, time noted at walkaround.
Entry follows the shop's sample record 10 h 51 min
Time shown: 8 h 50 min
